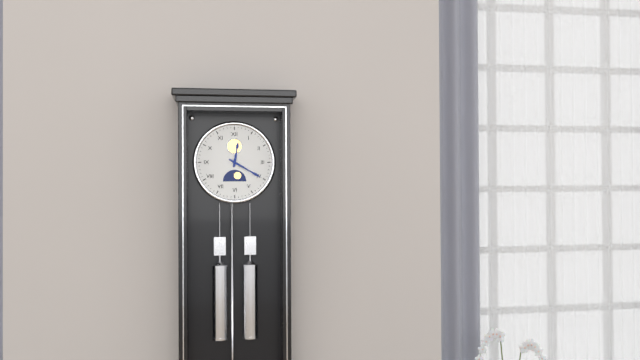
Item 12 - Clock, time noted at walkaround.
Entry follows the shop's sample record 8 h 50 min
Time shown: 12 h 20 min
